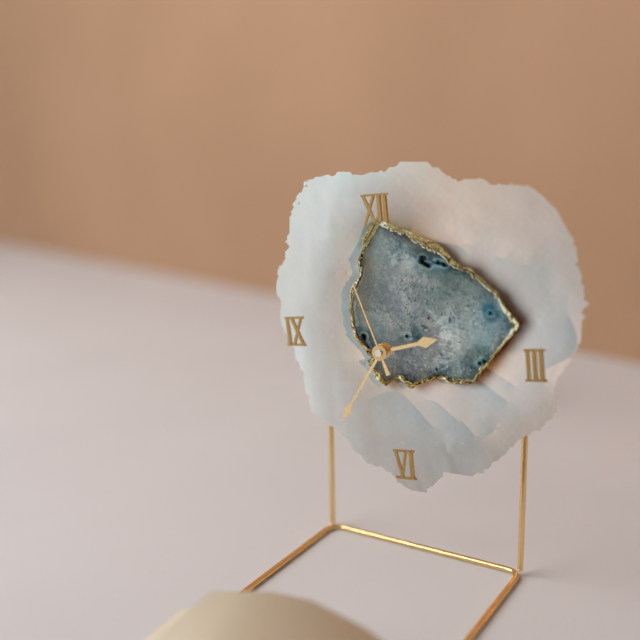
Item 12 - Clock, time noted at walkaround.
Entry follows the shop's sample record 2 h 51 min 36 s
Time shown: 2 h 36 min 57 s
